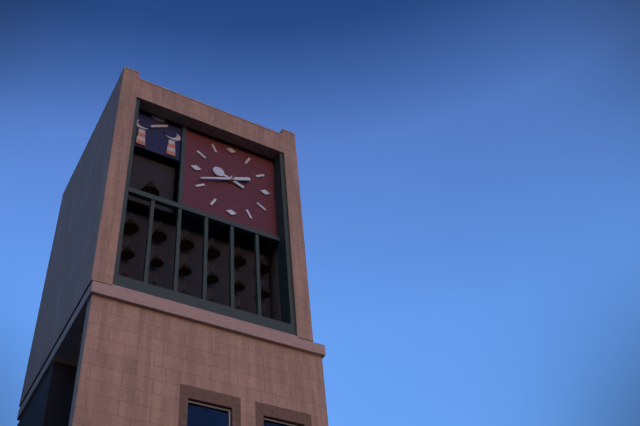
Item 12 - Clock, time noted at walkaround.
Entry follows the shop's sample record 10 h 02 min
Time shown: 9 h 41 min
